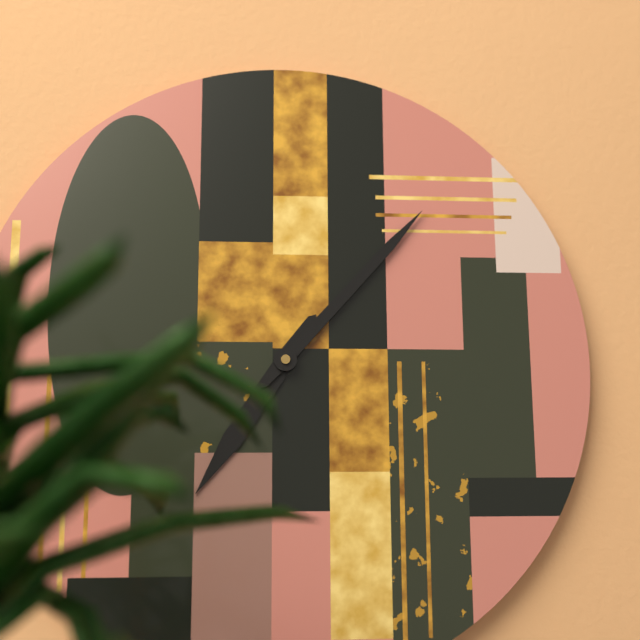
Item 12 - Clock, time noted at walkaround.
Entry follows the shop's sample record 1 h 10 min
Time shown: 7 h 07 min
